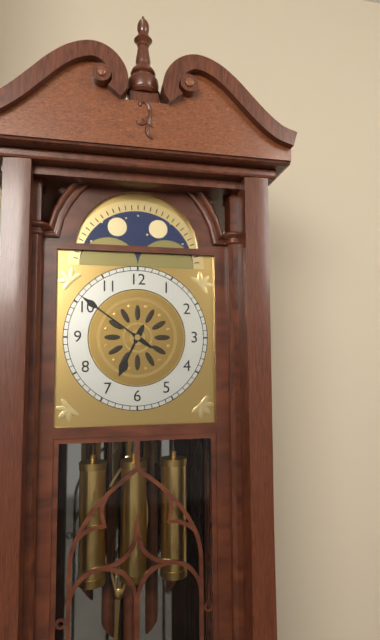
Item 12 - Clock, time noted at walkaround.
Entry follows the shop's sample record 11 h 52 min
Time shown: 6 h 51 min
